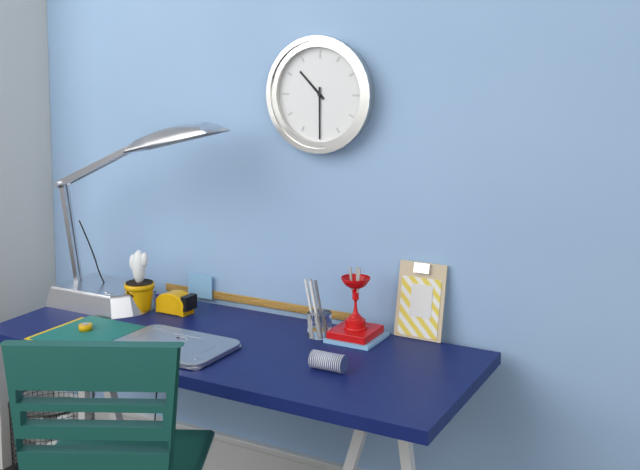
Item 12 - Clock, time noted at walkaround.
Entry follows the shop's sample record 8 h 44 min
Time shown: 10 h 30 min
